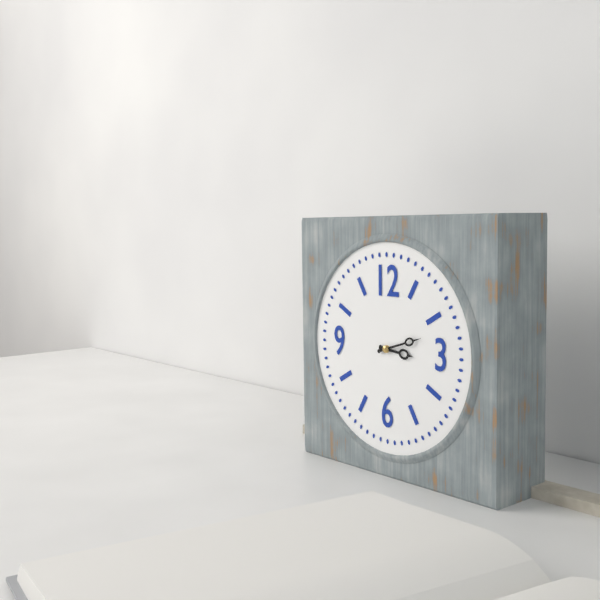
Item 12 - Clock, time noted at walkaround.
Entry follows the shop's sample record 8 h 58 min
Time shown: 3 h 12 min
